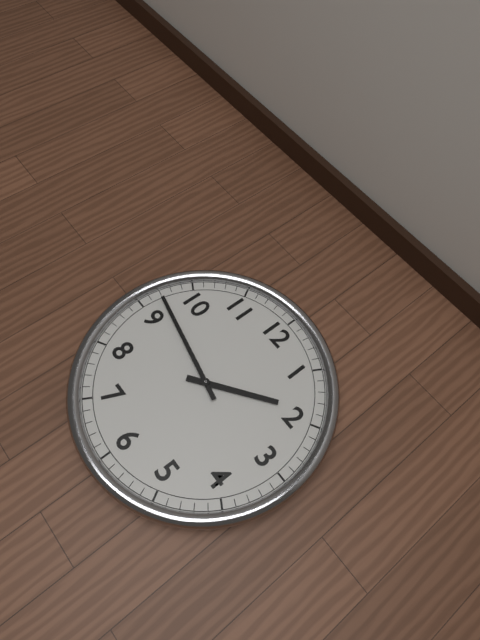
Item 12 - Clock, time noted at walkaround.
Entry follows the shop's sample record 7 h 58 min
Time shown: 1 h 47 min
